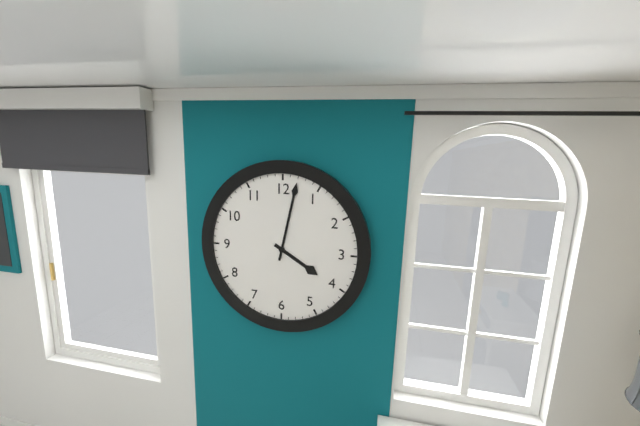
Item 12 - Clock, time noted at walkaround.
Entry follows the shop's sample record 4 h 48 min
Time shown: 4 h 02 min
